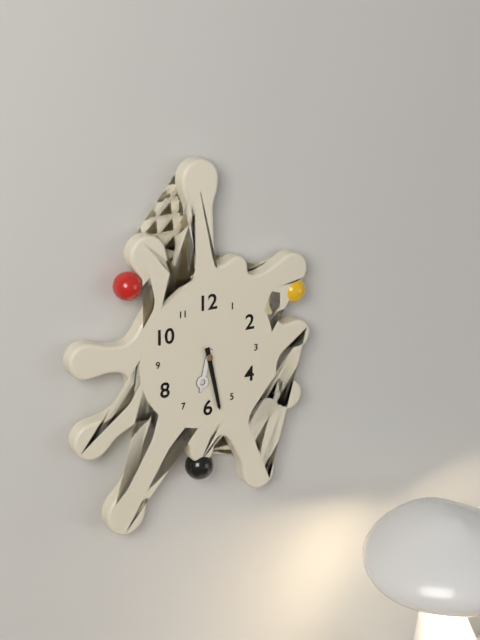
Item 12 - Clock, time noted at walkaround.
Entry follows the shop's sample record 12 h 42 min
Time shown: 6 h 28 min
